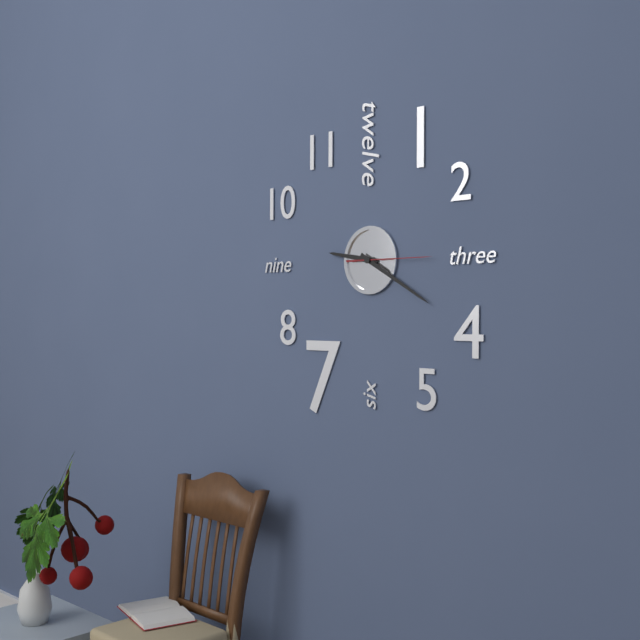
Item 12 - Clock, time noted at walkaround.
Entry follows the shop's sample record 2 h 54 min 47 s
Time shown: 9 h 20 min 15 s
